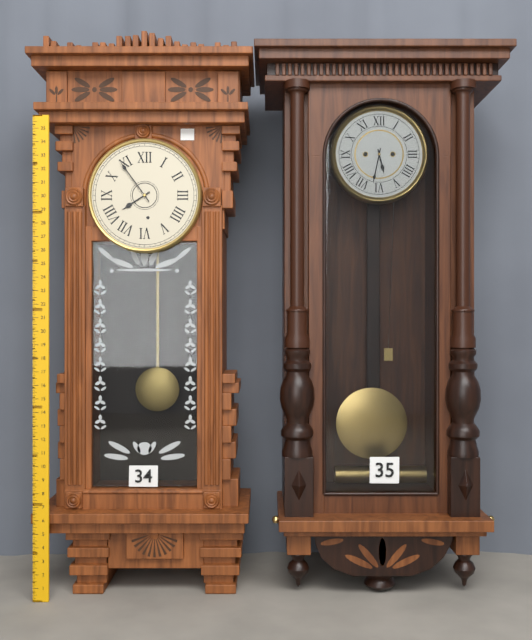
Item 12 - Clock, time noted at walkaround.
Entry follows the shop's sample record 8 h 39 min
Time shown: 7 h 54 min
